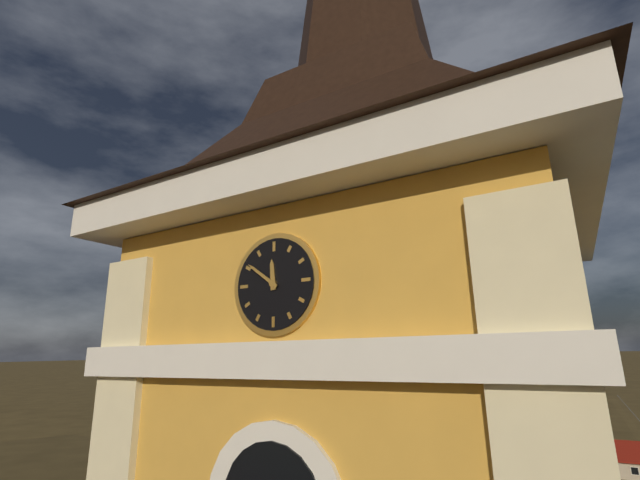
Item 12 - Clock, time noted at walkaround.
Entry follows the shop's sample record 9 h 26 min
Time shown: 11 h 51 min
